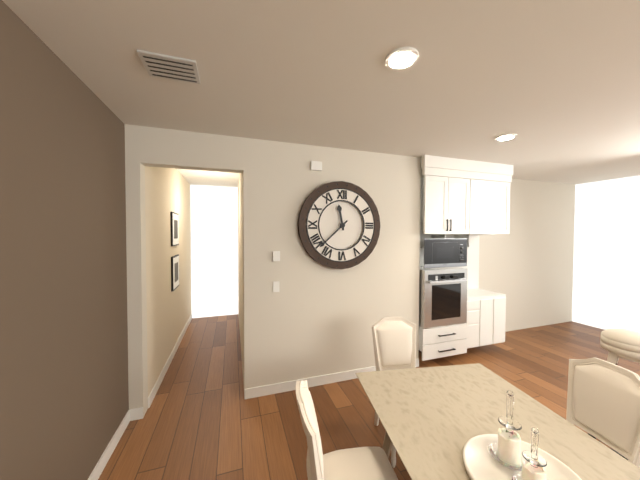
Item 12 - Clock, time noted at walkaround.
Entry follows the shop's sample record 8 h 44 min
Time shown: 11 h 38 min
